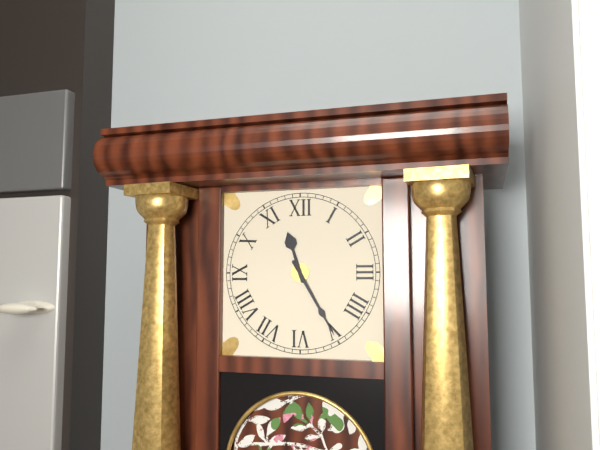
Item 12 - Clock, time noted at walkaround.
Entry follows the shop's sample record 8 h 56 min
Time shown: 11 h 25 min
